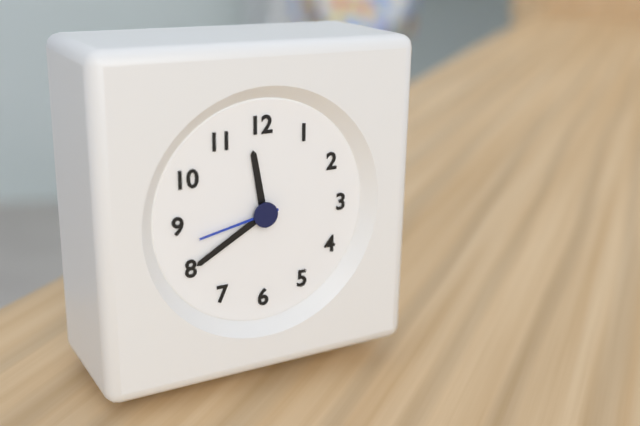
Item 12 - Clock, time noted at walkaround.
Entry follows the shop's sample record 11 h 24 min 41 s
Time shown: 11 h 40 min 43 s
